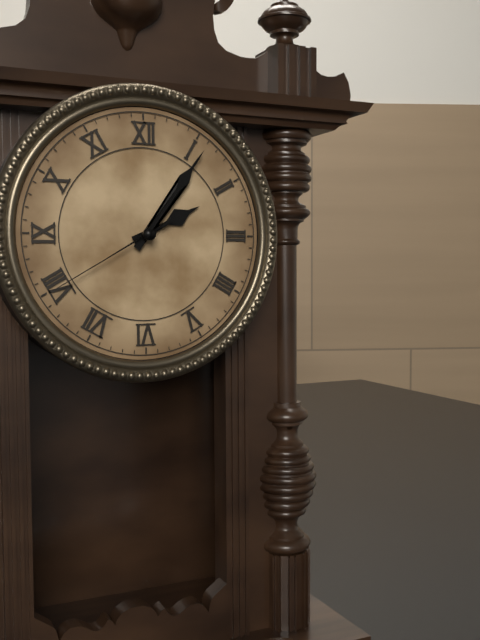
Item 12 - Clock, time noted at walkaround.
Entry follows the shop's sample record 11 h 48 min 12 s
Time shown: 2 h 06 min 40 s
